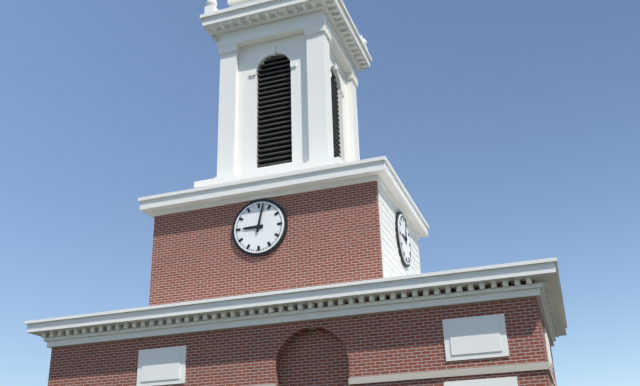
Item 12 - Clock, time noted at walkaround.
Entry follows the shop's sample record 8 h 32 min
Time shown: 9 h 02 min
